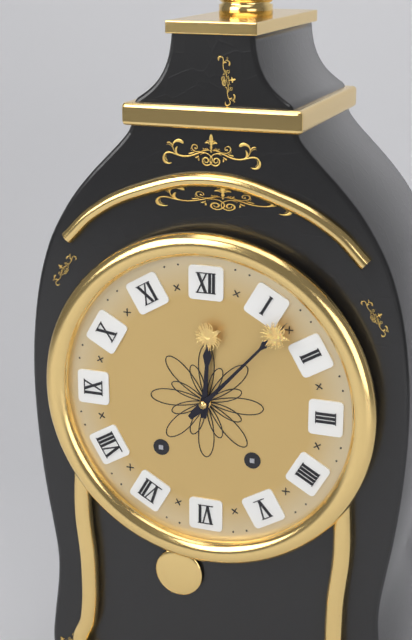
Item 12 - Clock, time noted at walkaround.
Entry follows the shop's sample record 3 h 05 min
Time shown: 12 h 07 min
